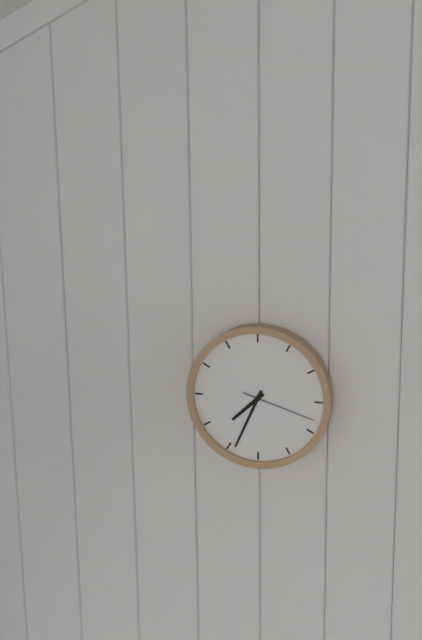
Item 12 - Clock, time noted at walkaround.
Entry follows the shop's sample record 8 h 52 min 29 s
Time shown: 7 h 34 min 18 s
